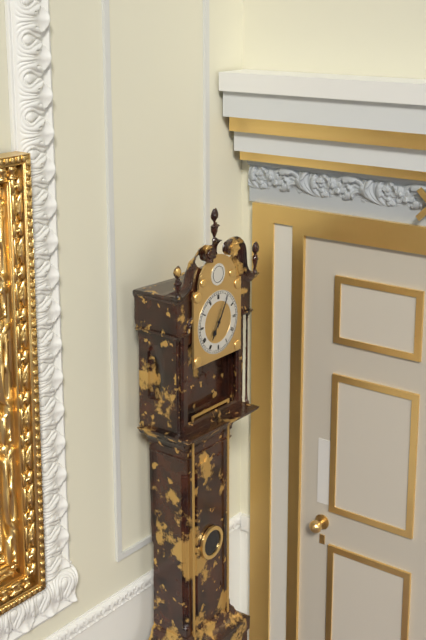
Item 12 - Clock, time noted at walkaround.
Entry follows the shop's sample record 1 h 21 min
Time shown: 7 h 05 min
